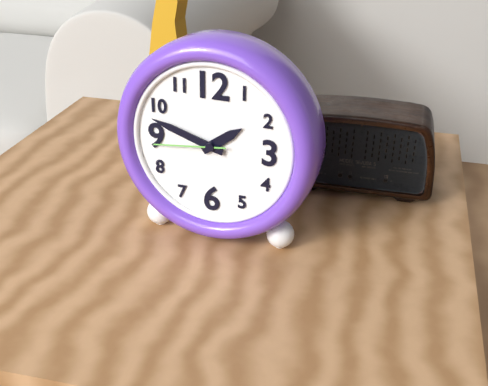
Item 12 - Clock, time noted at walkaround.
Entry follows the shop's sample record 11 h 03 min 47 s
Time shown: 1 h 48 min 44 s
